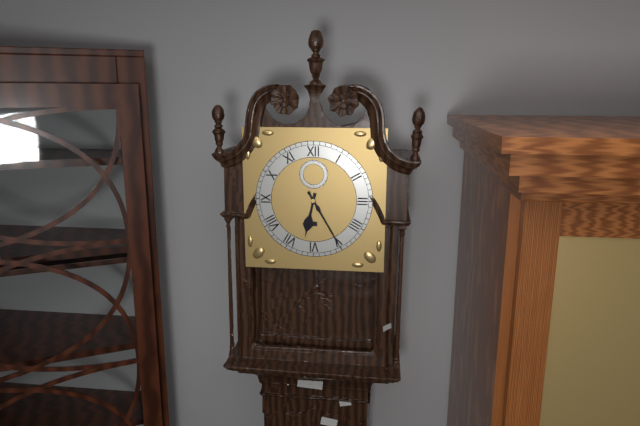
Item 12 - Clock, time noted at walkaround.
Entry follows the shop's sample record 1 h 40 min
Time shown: 6 h 25 min
